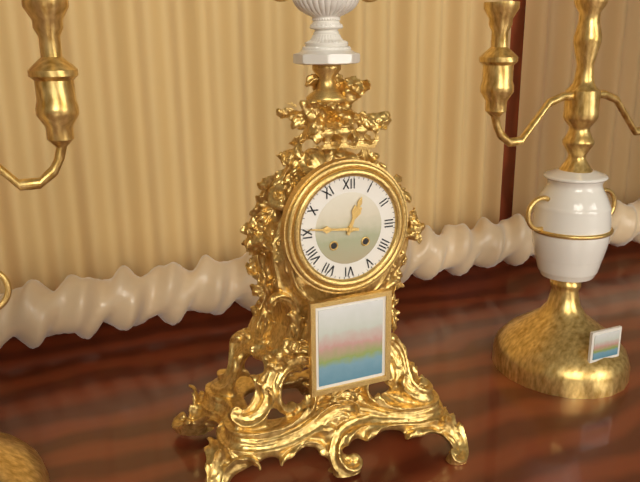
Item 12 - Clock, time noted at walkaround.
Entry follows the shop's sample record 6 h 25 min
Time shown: 12 h 46 min
